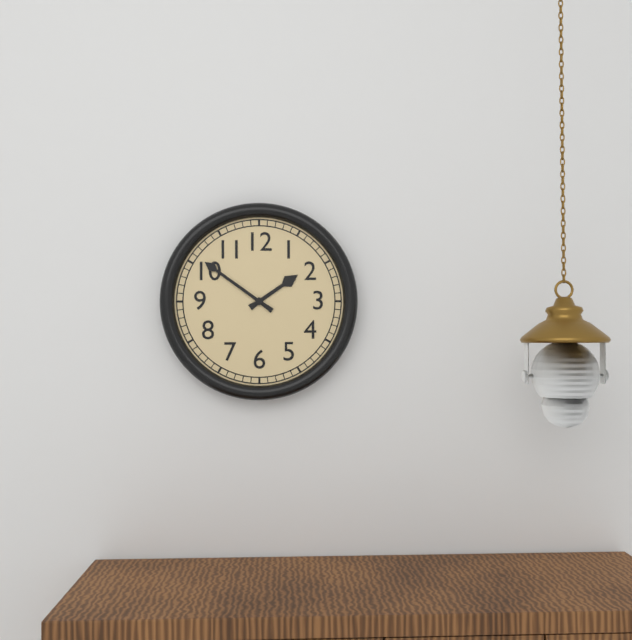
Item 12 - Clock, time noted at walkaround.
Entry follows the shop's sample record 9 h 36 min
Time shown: 1 h 51 min
